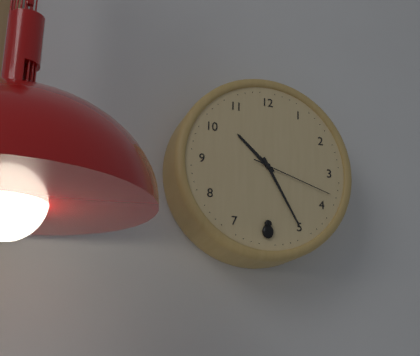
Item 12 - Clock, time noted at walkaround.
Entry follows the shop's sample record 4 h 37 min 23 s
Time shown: 10 h 25 min 18 s
